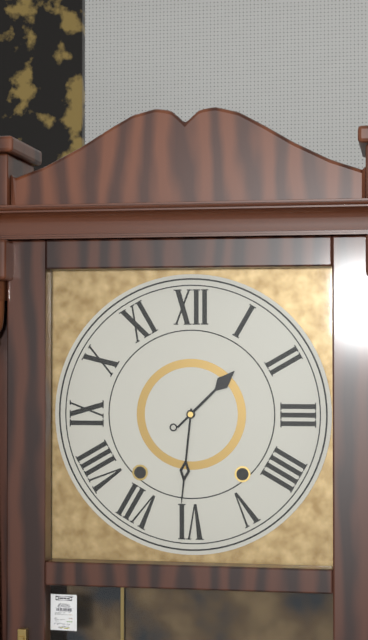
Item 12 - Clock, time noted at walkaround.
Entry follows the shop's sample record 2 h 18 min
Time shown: 1 h 31 min
